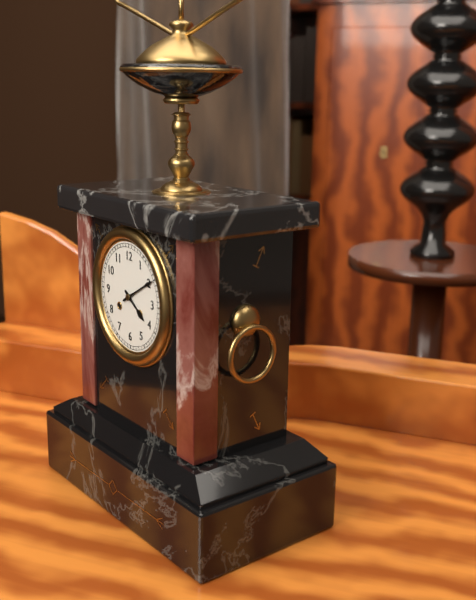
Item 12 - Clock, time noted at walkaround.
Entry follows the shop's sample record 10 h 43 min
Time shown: 4 h 10 min
